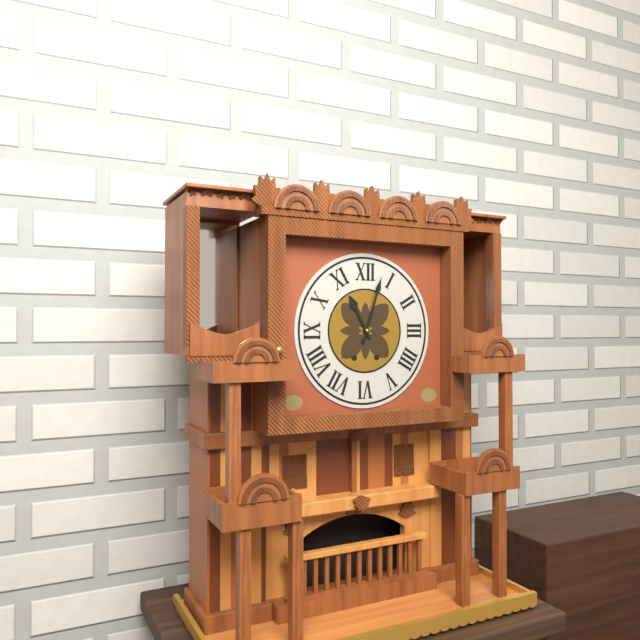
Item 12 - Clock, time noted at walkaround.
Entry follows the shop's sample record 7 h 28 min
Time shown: 11 h 03 min
